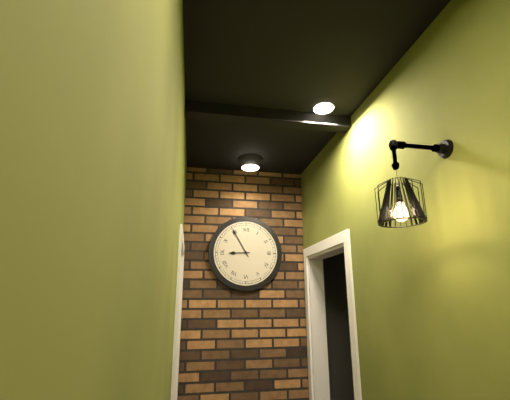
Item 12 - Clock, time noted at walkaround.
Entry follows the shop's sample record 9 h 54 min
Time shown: 8 h 55 min
